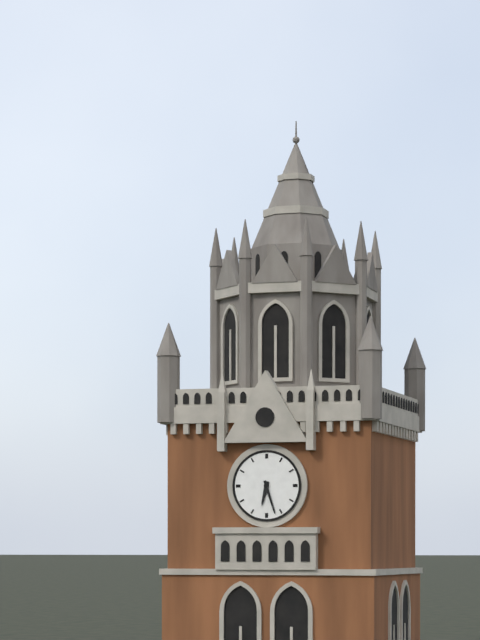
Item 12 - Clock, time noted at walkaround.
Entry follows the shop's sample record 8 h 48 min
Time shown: 6 h 27 min
